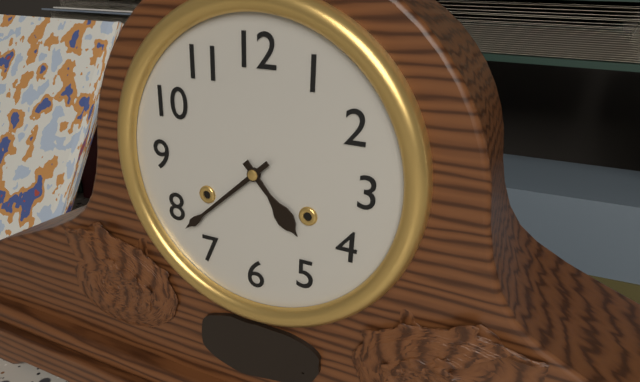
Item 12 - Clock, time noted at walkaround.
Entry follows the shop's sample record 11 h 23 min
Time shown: 4 h 38 min
